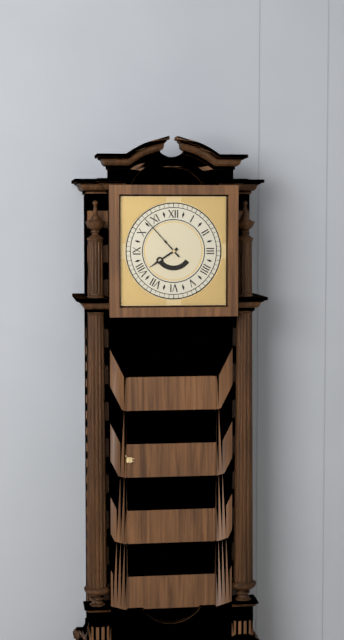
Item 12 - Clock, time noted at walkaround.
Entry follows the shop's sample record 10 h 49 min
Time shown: 7 h 53 min
